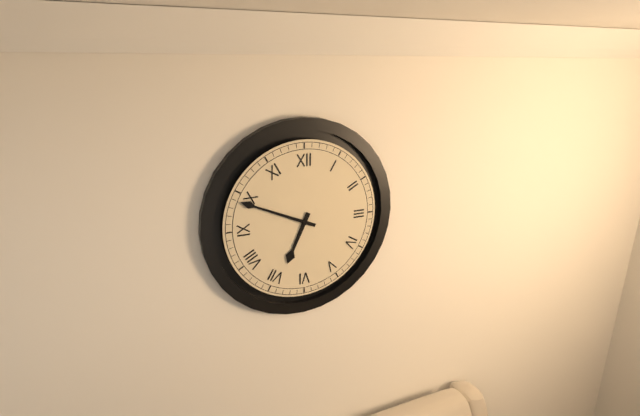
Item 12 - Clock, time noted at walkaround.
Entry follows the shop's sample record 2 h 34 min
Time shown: 6 h 49 min
